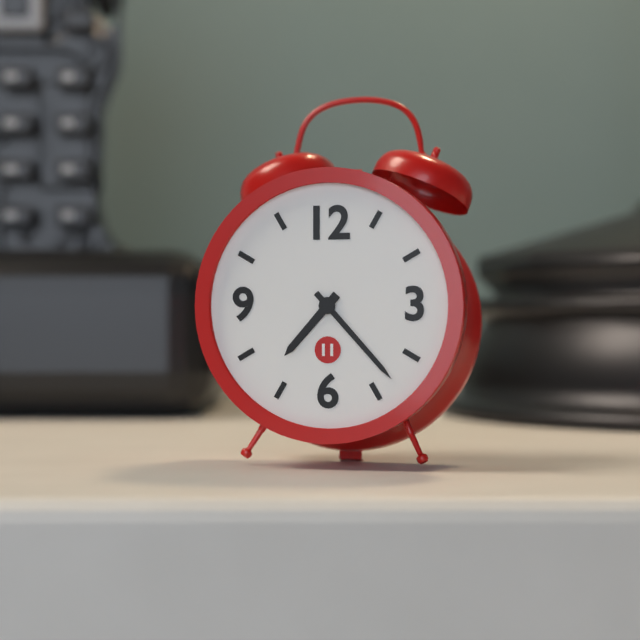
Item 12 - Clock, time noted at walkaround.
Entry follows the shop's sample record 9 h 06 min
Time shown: 7 h 23 min
